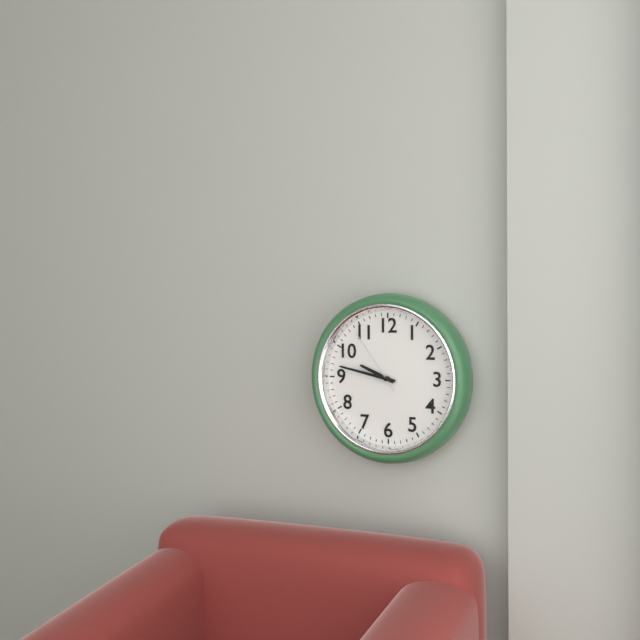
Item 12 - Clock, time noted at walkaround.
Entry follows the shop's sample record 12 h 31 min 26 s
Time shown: 9 h 47 min 54 s
